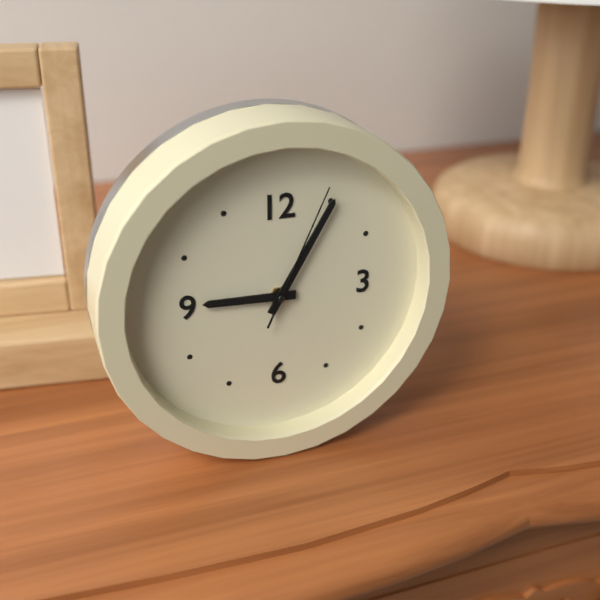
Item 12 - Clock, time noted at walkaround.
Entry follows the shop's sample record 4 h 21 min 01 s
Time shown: 9 h 05 min 04 s
